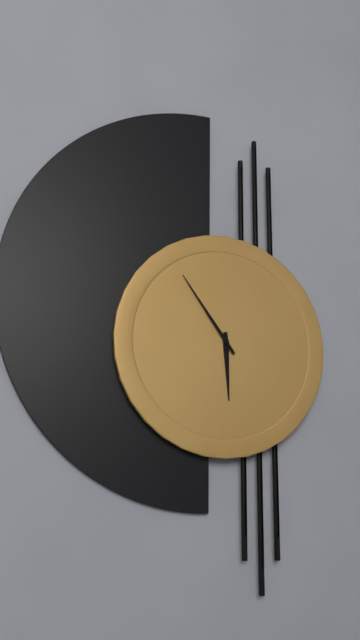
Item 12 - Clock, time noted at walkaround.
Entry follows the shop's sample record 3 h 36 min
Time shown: 5 h 54 min
